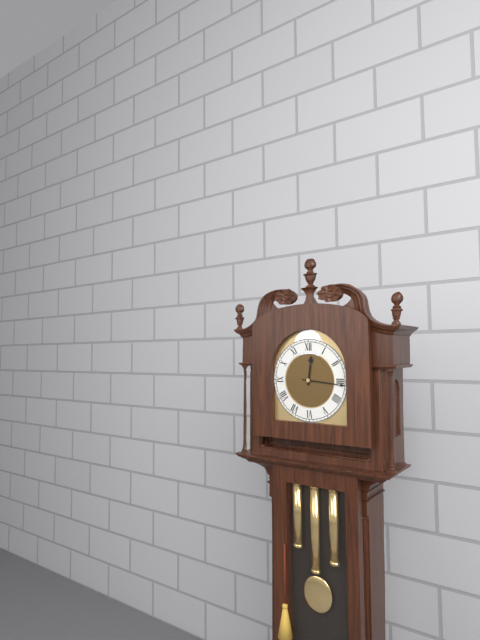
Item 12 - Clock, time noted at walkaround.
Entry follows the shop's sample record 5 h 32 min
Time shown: 12 h 16 min
